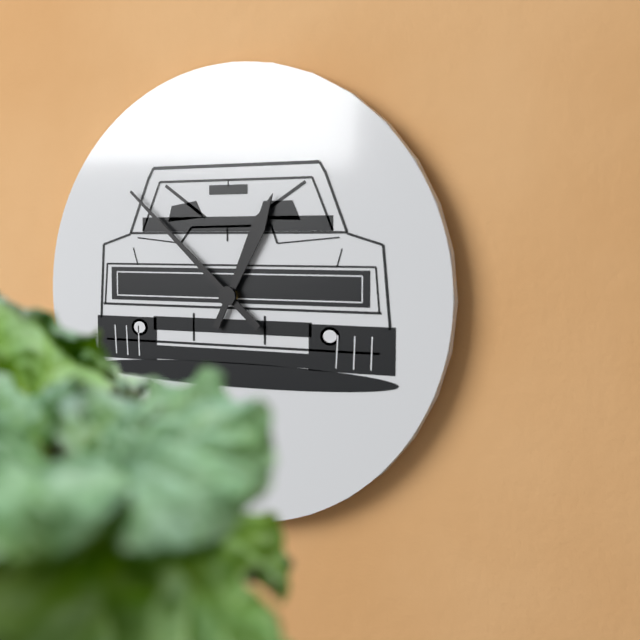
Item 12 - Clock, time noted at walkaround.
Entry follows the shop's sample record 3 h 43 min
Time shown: 12 h 52 min
